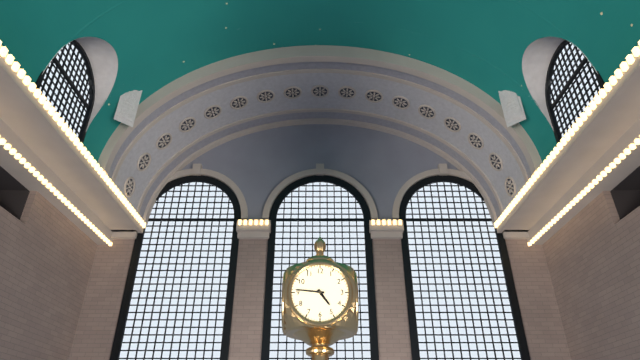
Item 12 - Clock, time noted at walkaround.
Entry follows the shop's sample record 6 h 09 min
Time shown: 4 h 46 min
